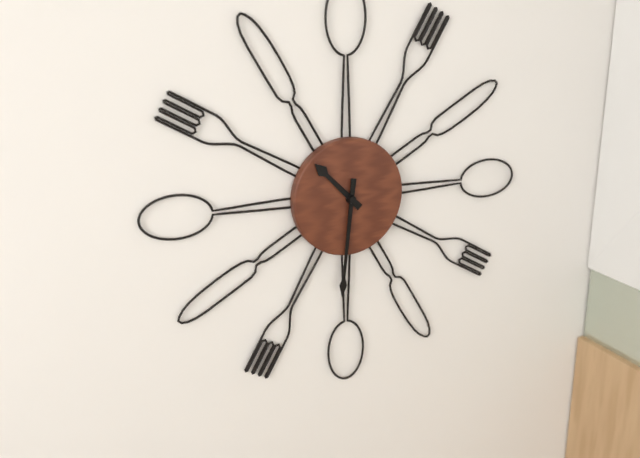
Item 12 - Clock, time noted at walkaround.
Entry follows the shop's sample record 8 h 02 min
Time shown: 10 h 31 min
